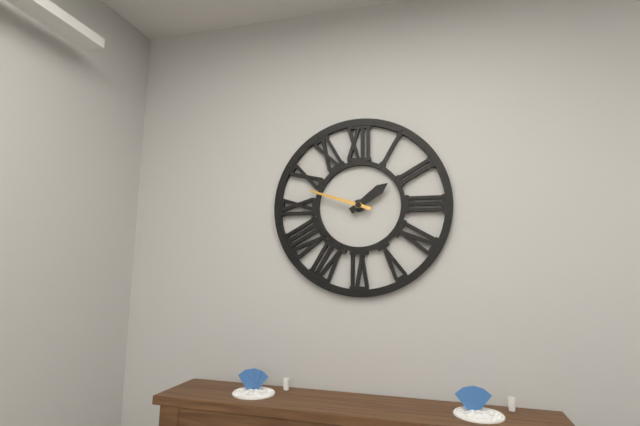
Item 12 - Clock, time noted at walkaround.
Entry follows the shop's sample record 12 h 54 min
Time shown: 1 h 48 min
